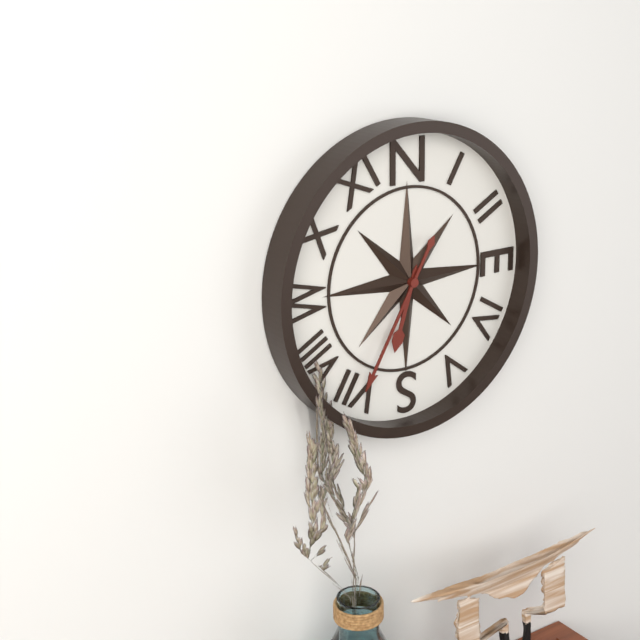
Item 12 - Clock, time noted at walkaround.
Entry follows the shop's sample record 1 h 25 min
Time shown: 6 h 35 min
